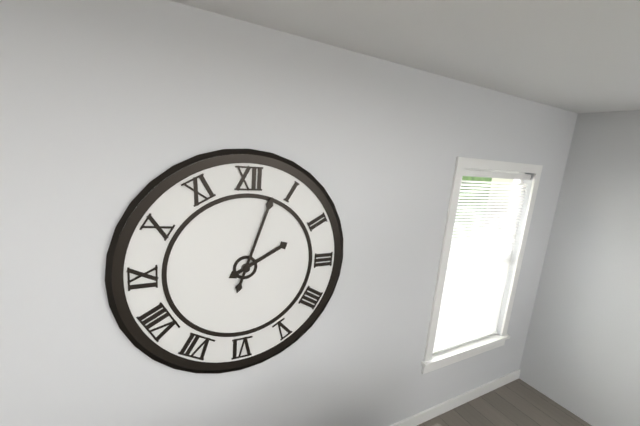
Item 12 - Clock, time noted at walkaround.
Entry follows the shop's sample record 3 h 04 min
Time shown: 2 h 03 min
